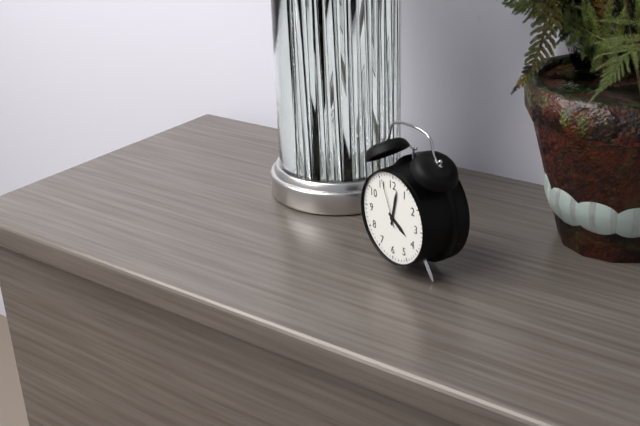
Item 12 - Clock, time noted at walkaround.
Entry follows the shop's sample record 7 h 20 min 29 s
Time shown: 4 h 02 min 56 s
